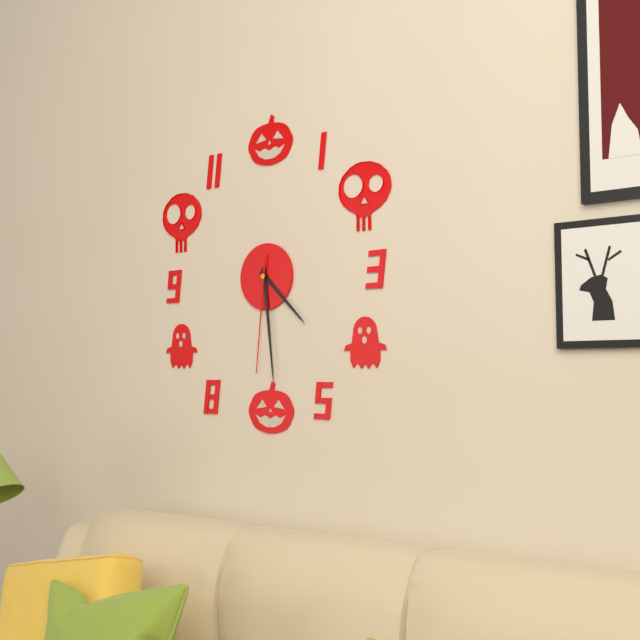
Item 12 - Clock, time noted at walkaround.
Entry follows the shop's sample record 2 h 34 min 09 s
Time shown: 4 h 29 min 31 s
